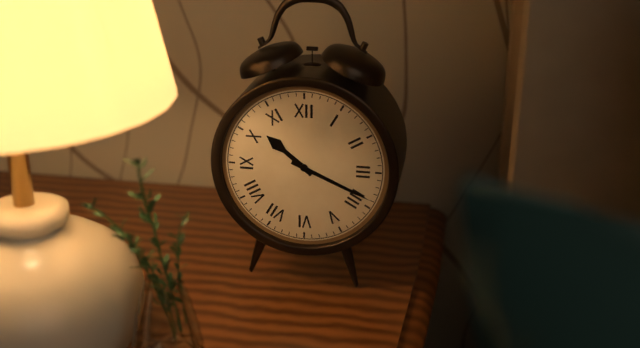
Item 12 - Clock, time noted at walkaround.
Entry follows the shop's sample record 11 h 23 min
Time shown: 10 h 19 min
